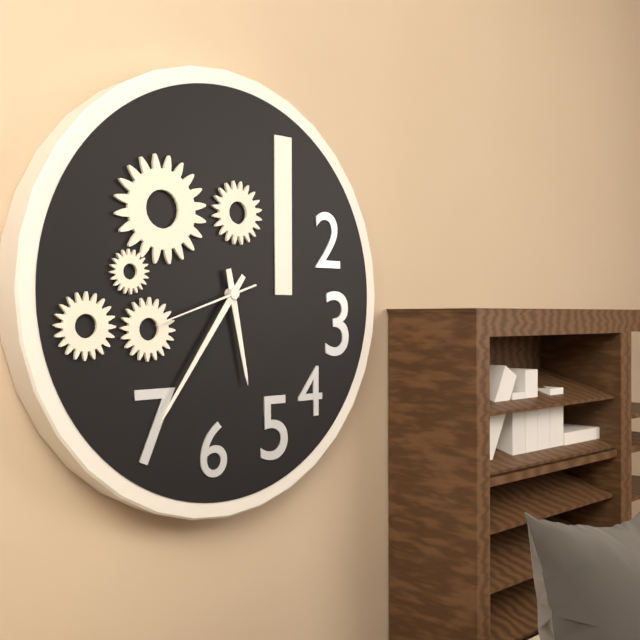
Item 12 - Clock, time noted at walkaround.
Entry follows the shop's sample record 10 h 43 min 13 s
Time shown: 5 h 36 min 42 s
